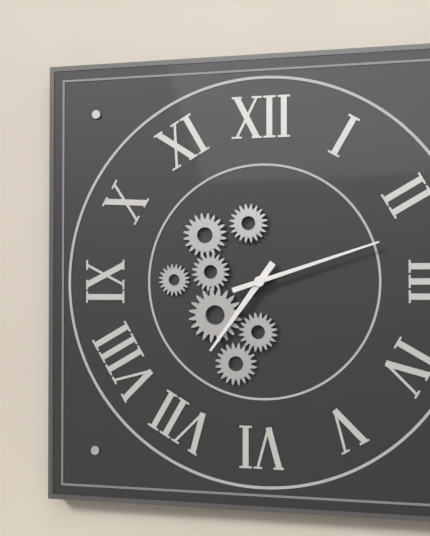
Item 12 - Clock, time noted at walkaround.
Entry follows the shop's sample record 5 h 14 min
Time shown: 7 h 12 min
